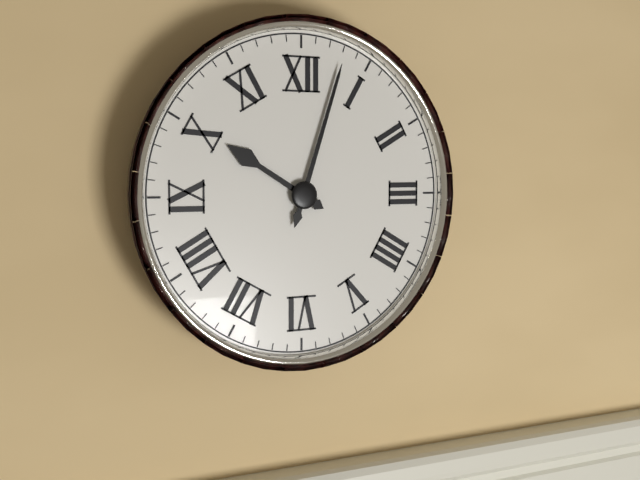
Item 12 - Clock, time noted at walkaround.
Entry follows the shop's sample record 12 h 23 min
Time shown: 10 h 03 min
